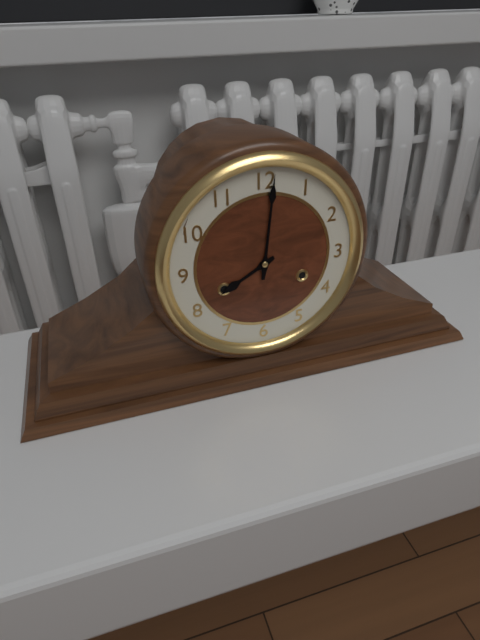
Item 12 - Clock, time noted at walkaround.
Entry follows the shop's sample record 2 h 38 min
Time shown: 8 h 01 min
